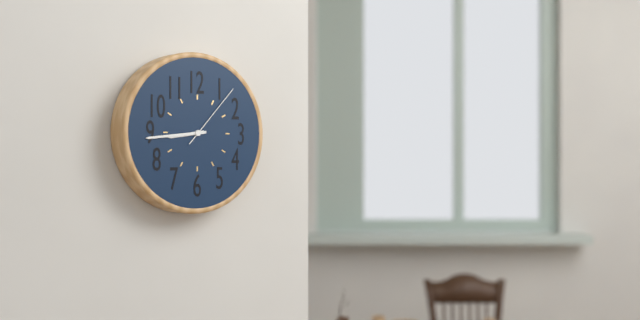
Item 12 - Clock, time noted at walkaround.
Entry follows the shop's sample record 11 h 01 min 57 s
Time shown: 8 h 44 min 07 s
